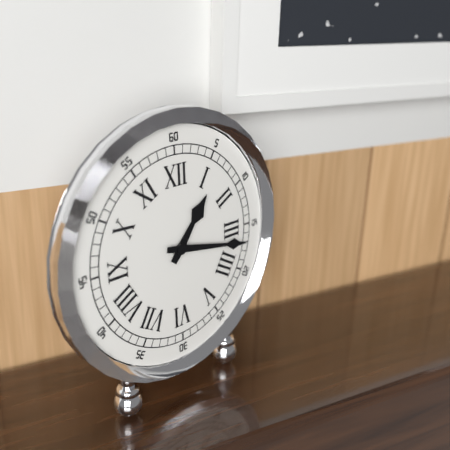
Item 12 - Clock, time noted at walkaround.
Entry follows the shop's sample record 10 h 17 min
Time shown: 1 h 17 min
